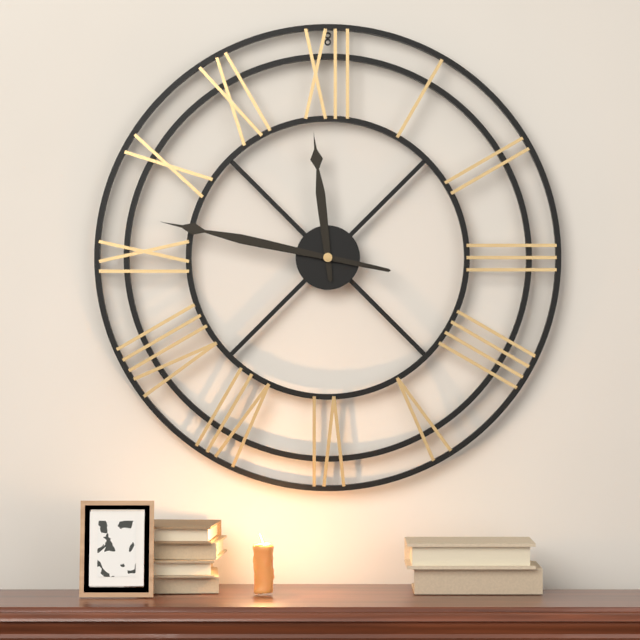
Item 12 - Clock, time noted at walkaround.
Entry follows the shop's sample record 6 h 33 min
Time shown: 11 h 47 min
